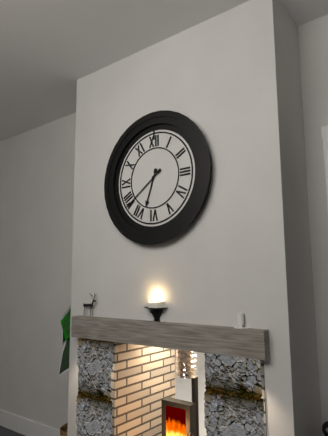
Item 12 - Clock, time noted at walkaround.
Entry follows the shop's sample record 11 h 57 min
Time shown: 6 h 39 min
